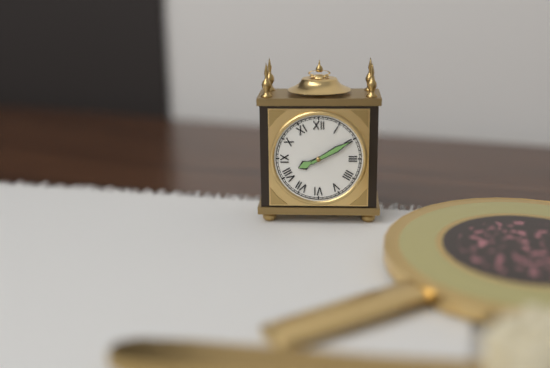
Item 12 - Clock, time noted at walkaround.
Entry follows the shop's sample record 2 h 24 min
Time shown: 8 h 10 min
